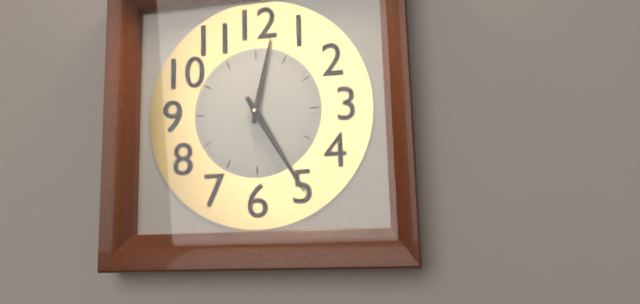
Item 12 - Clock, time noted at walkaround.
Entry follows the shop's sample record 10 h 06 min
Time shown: 12 h 25 min
